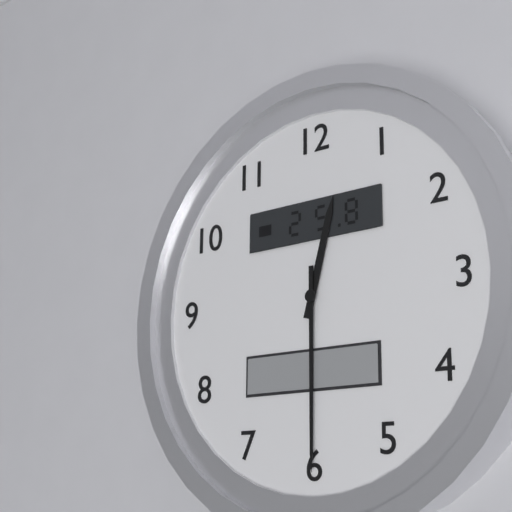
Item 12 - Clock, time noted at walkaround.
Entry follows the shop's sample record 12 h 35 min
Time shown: 12 h 30 min
